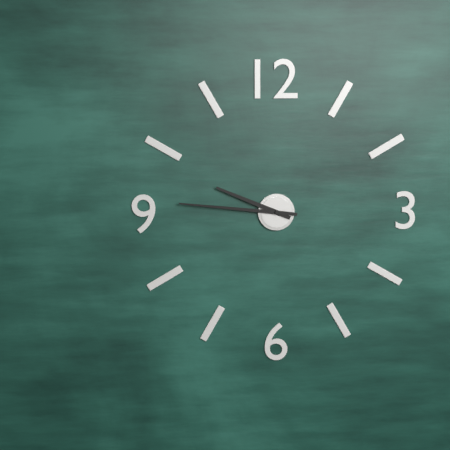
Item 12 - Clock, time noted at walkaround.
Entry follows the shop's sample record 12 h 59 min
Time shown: 9 h 46 min
